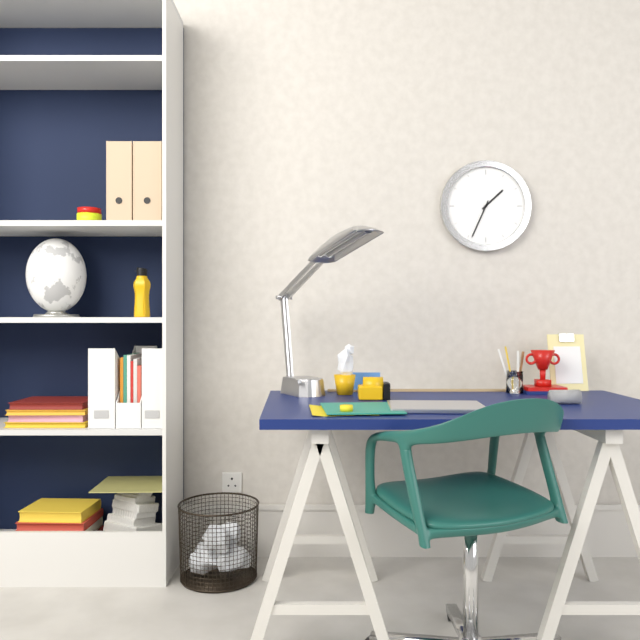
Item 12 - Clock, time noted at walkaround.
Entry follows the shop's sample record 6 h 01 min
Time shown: 1 h 34 min
